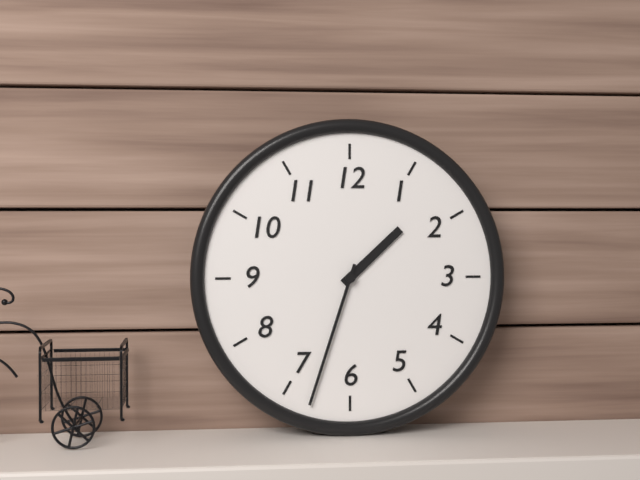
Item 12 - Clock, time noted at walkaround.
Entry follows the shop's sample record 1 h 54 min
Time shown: 1 h 33 min
